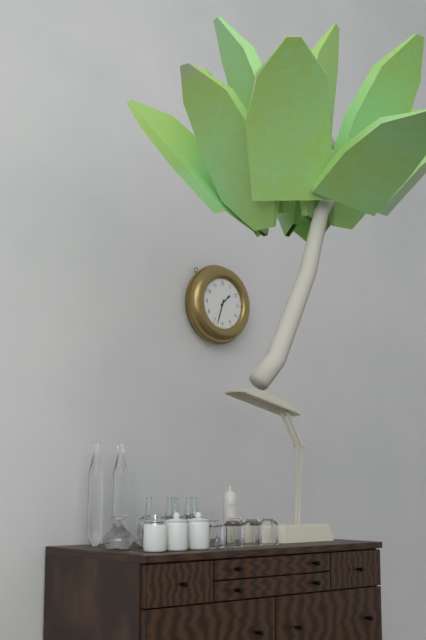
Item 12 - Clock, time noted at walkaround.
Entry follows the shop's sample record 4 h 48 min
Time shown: 1 h 33 min
